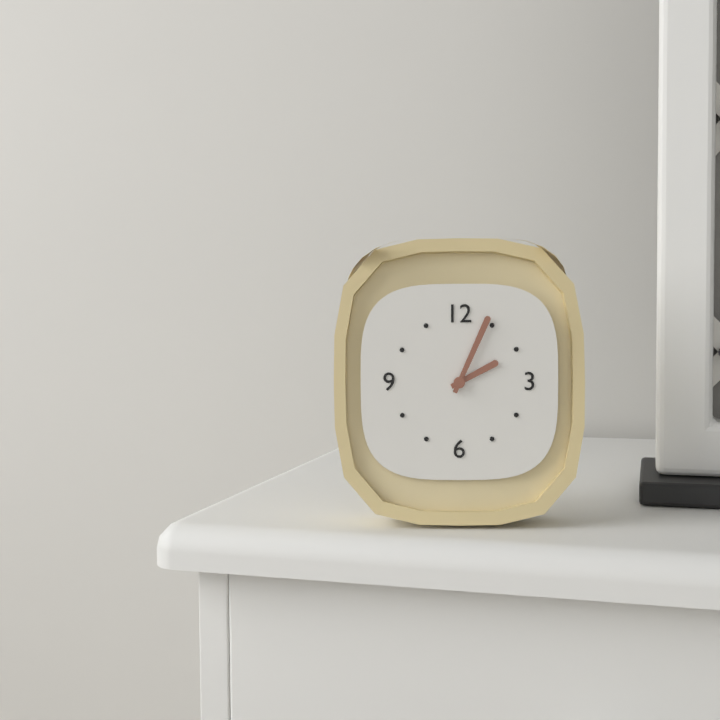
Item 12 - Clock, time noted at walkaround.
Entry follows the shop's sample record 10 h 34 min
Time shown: 2 h 04 min
